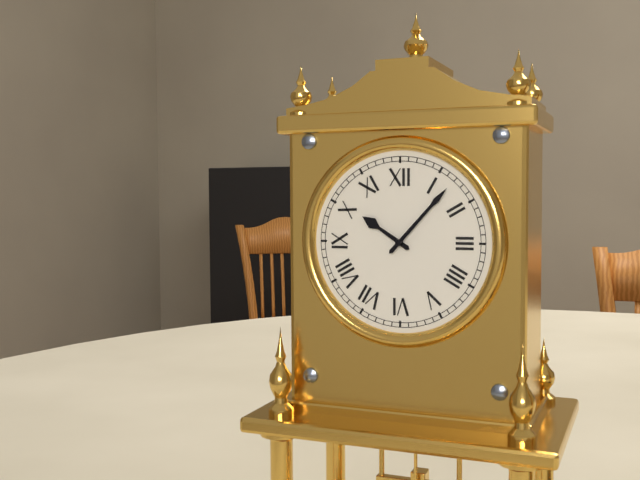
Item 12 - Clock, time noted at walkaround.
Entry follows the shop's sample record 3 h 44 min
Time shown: 10 h 07 min
